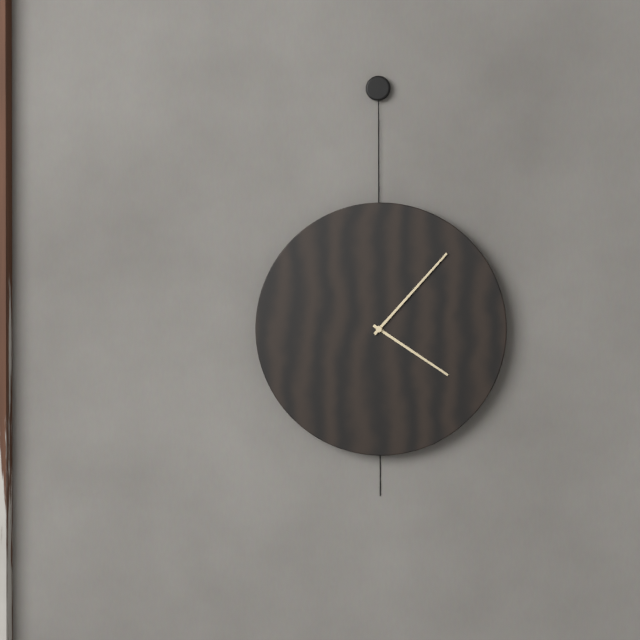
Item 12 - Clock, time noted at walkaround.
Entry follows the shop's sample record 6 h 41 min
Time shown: 4 h 07 min
